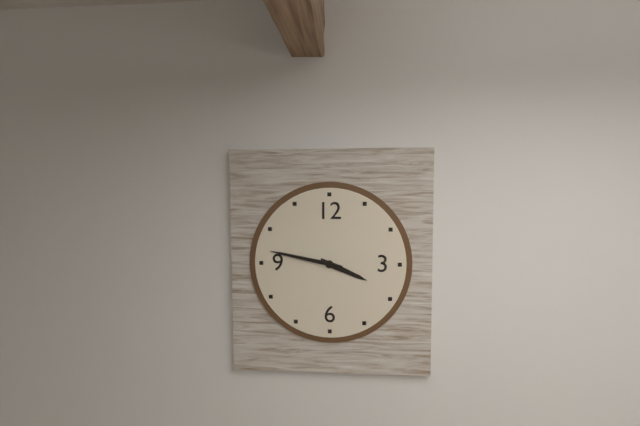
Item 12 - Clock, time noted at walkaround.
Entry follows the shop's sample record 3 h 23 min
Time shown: 3 h 47 min
